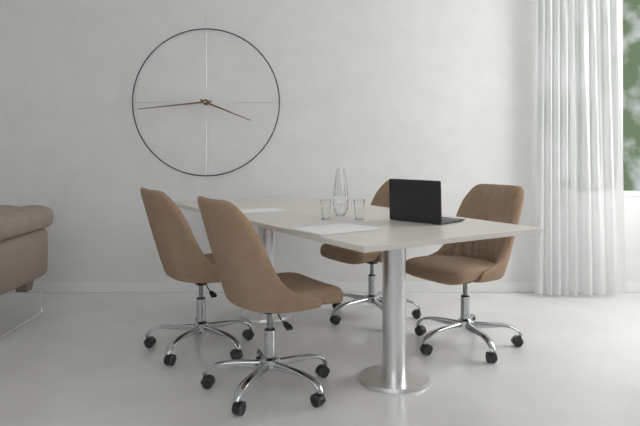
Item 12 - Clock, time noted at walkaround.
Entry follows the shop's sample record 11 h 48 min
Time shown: 3 h 44 min
